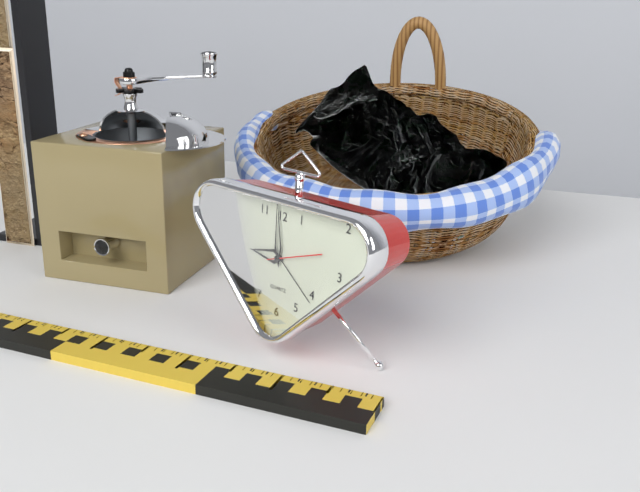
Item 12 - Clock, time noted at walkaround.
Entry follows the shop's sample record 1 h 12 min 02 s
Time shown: 8 h 59 min 12 s
